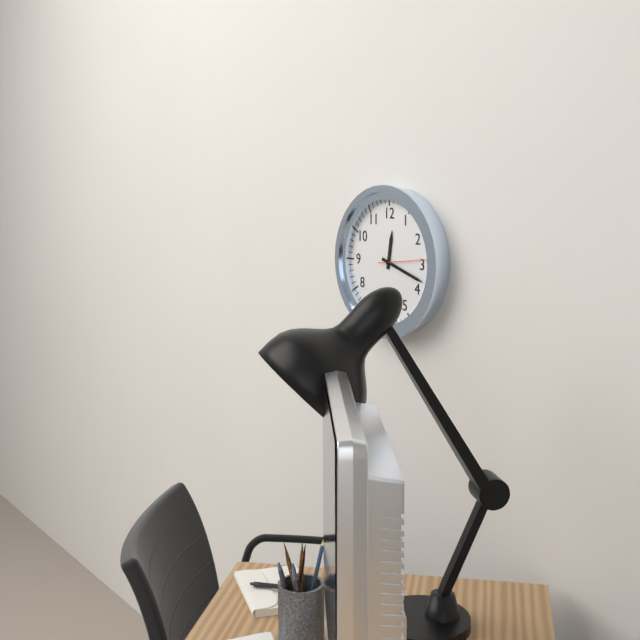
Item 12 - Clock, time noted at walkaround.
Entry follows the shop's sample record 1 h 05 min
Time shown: 12 h 18 min
